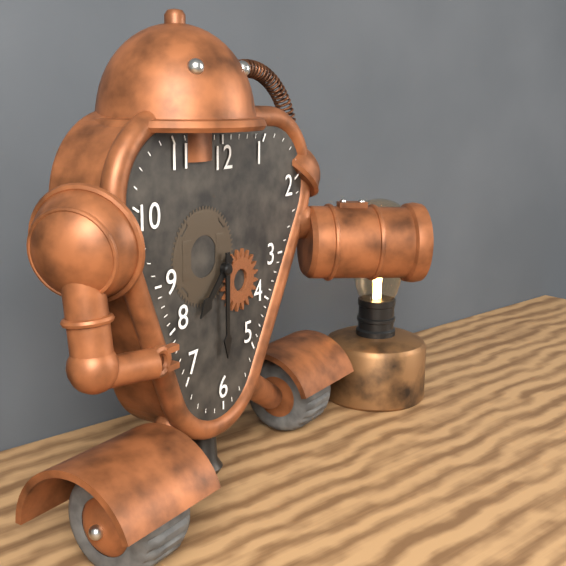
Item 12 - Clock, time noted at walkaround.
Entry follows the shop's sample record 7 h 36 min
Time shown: 7 h 30 min
